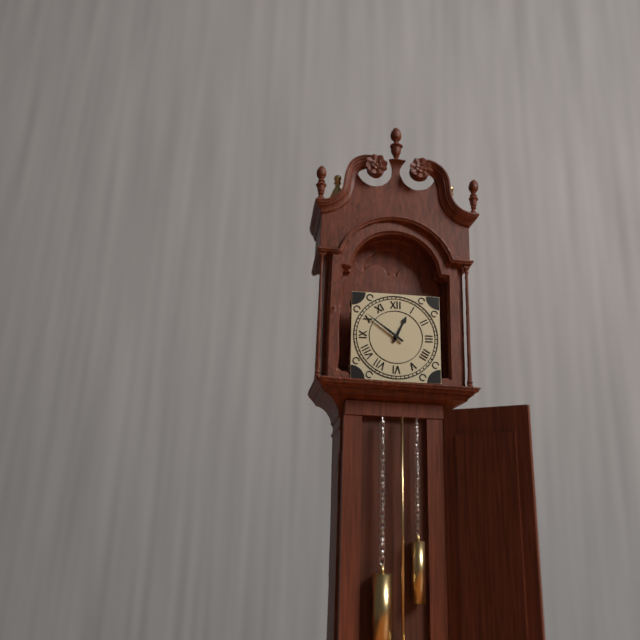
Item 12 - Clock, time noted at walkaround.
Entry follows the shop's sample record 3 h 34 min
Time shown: 12 h 51 min
